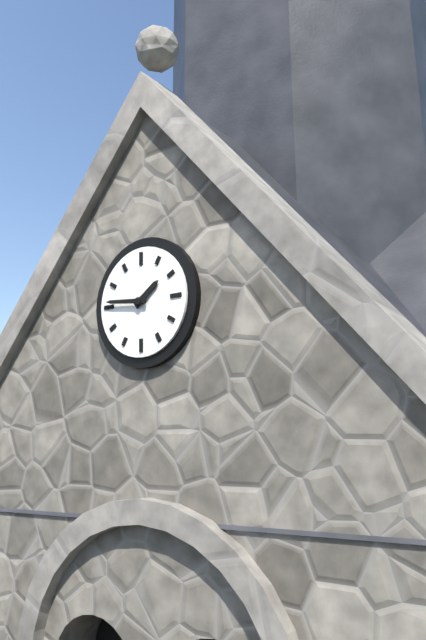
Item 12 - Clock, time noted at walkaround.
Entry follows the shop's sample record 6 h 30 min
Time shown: 1 h 46 min
